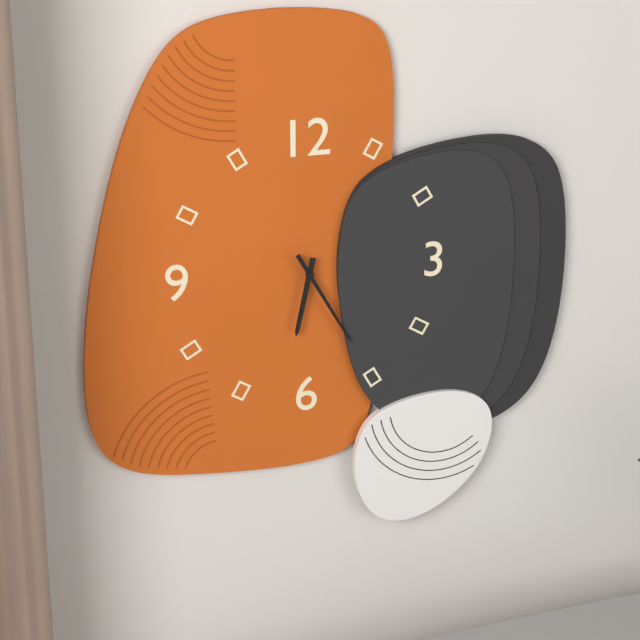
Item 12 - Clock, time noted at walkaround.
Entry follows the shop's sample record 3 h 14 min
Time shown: 6 h 25 min
